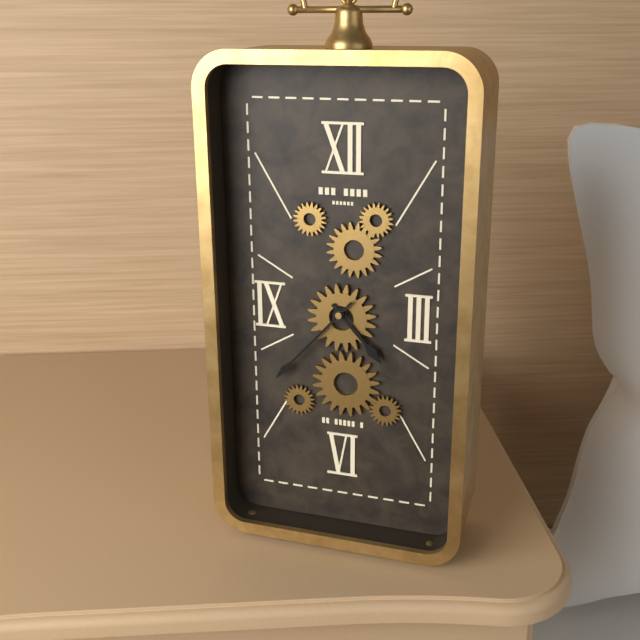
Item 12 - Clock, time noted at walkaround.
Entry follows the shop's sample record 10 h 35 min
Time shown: 4 h 37 min
